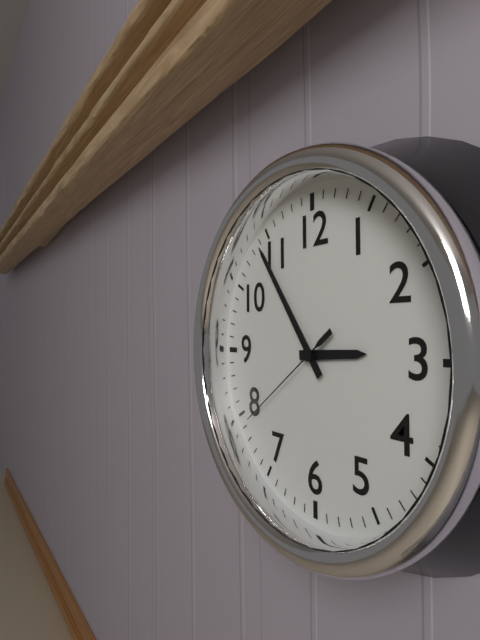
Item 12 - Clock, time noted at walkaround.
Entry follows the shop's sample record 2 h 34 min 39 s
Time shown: 2 h 54 min 39 s
